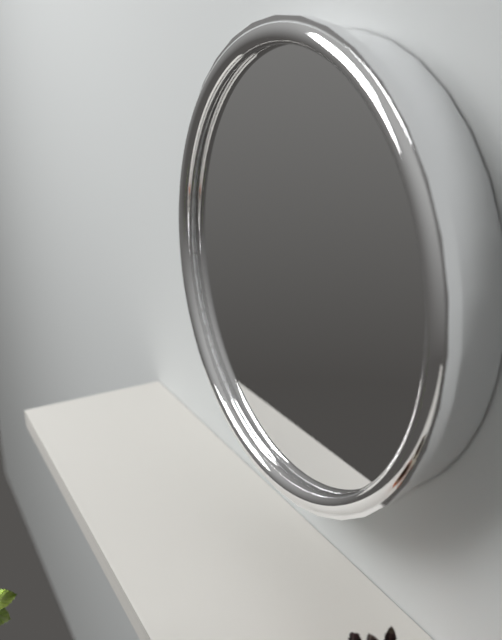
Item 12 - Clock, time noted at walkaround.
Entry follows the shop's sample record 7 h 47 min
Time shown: 11 h 16 min
